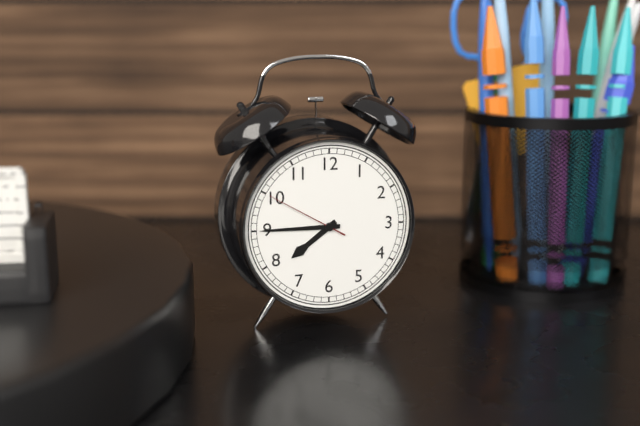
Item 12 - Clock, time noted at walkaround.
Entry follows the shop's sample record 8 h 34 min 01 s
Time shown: 7 h 45 min 50 s
